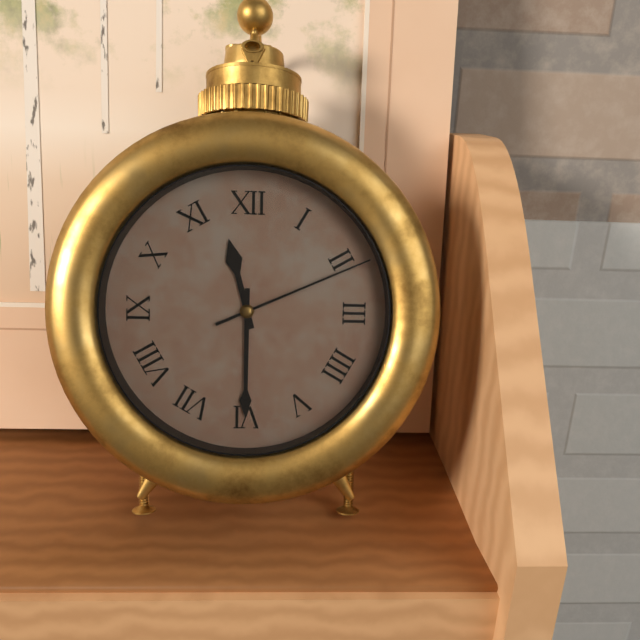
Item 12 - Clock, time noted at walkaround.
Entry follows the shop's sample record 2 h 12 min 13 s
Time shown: 11 h 30 min 11 s
